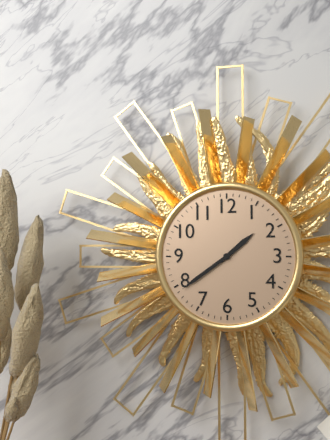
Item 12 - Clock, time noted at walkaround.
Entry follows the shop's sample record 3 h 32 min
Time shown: 1 h 39 min
